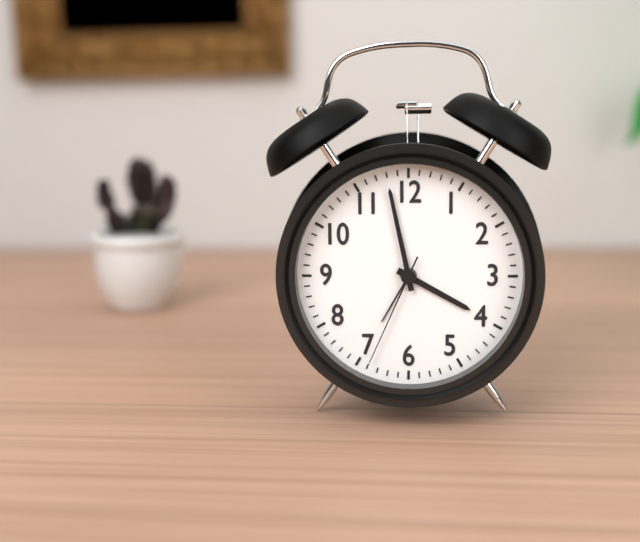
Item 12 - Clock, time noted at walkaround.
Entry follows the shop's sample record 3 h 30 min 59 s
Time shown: 3 h 58 min 34 s
